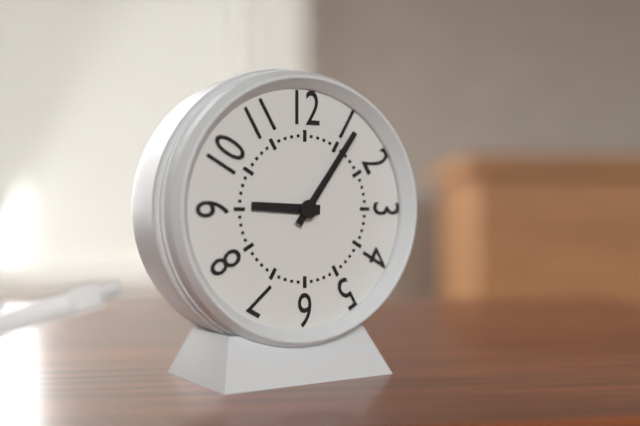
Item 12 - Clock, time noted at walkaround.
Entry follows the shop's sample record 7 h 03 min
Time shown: 9 h 06 min
